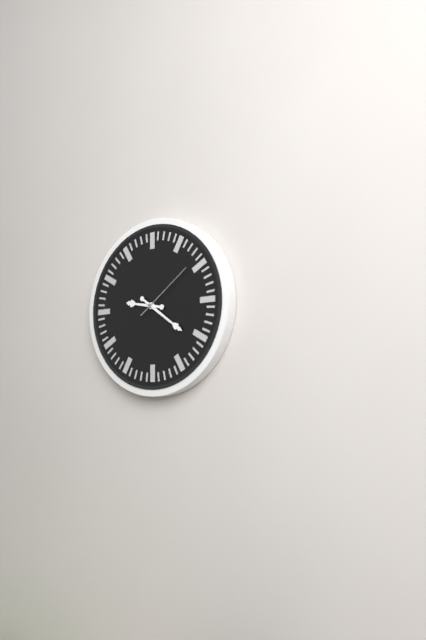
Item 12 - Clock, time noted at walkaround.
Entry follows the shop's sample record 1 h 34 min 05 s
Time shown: 9 h 21 min 09 s
